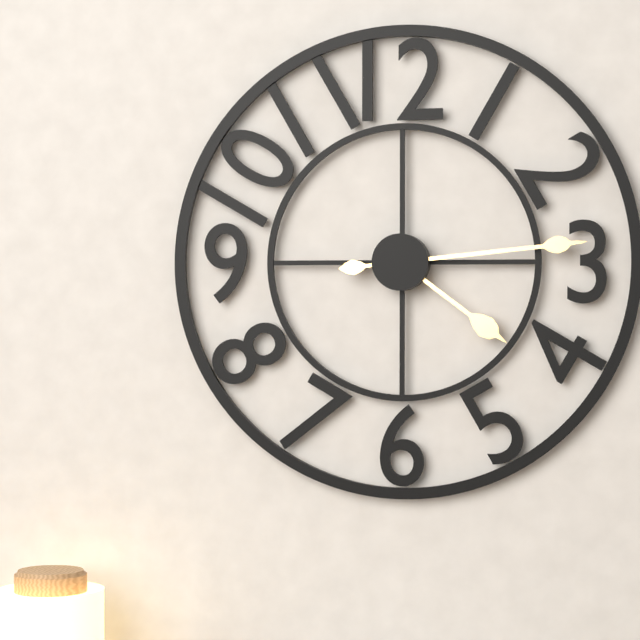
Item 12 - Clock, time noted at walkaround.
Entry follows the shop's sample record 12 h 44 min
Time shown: 4 h 14 min
